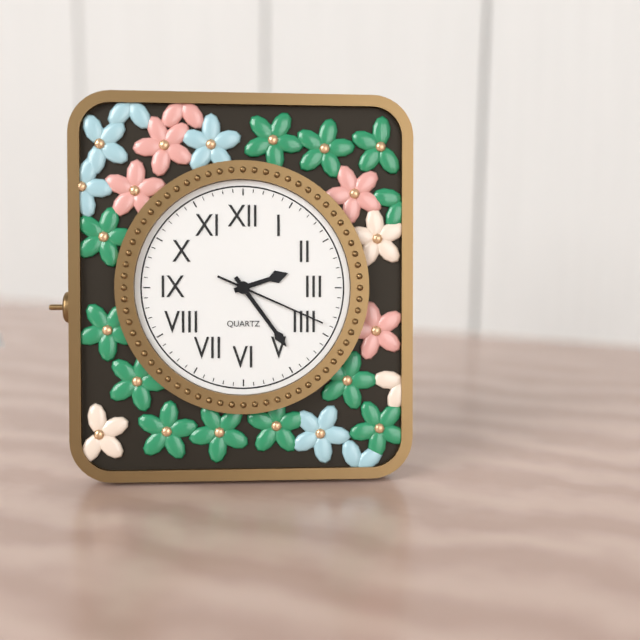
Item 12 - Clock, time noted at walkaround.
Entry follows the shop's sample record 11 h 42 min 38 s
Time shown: 2 h 24 min 19 s
